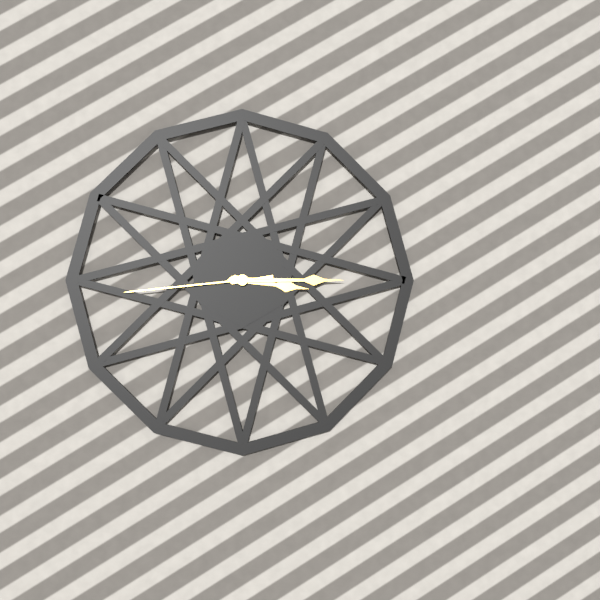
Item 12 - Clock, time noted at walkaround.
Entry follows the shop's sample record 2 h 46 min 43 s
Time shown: 3 h 15 min 44 s
